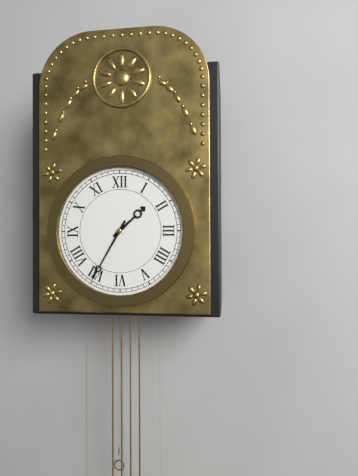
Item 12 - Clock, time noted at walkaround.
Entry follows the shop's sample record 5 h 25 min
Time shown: 1 h 35 min
